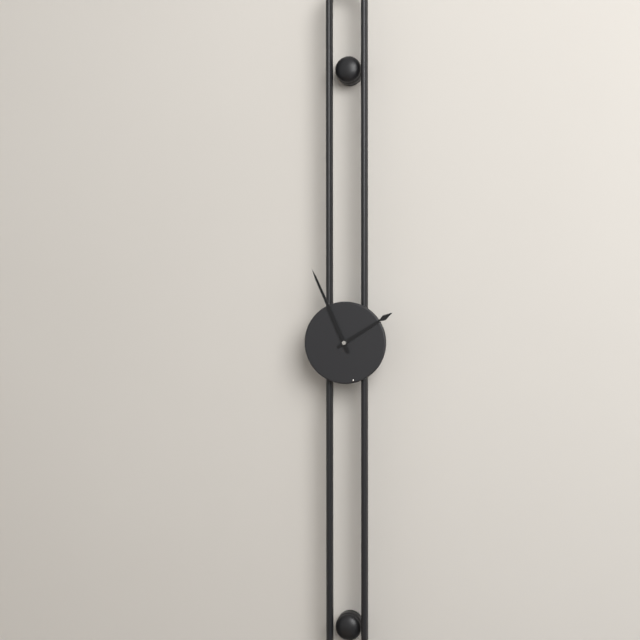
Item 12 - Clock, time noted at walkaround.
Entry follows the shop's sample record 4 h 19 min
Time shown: 1 h 56 min
